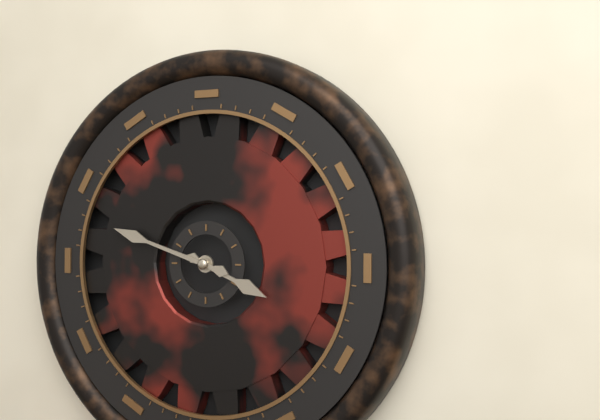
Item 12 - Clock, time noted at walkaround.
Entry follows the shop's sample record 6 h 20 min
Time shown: 3 h 48 min
